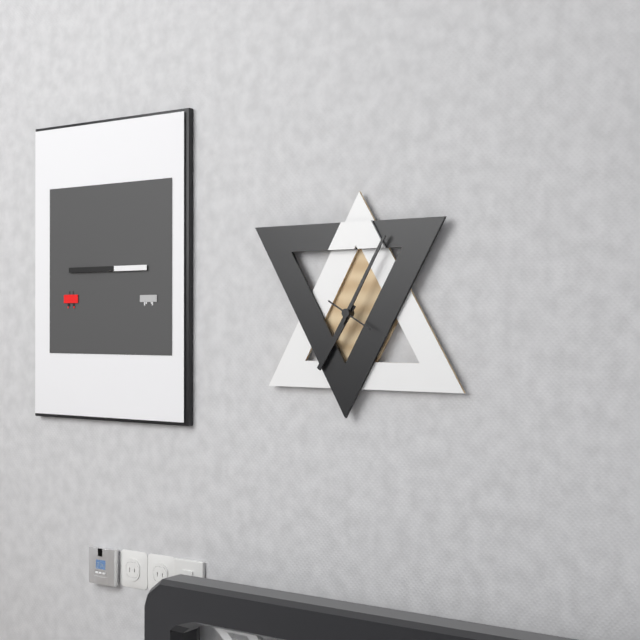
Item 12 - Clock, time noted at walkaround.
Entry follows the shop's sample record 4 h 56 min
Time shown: 7 h 05 min
